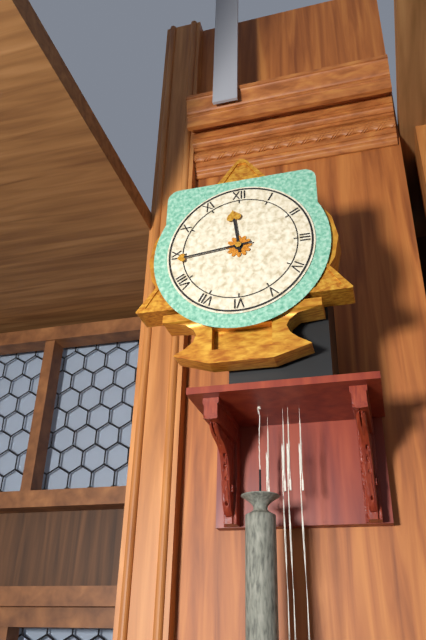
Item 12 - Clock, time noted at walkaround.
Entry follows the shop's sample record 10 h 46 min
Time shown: 11 h 44 min
